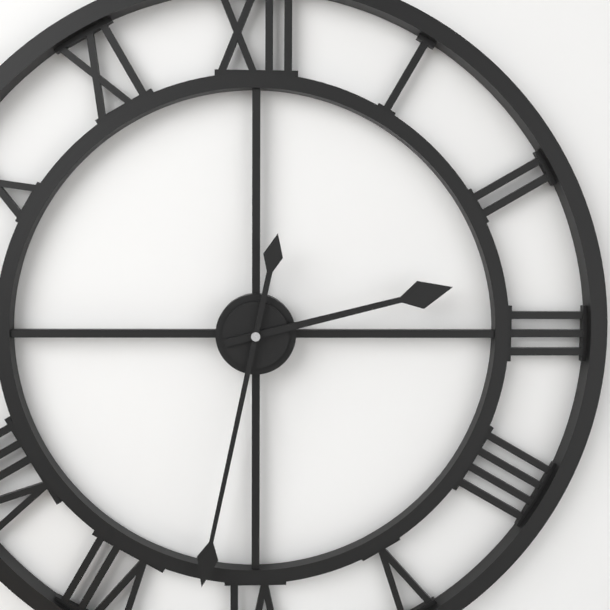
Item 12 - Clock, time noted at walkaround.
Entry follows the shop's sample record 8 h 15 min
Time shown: 2 h 32 min
